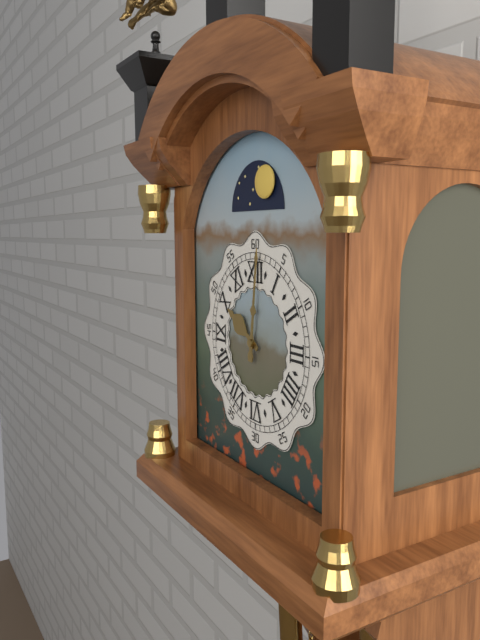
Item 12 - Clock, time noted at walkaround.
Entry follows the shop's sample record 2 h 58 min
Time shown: 10 h 01 min
